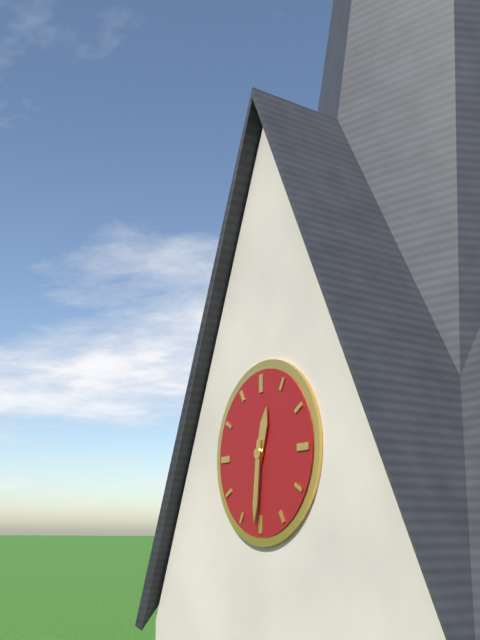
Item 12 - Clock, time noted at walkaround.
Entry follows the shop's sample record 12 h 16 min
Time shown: 12 h 31 min
